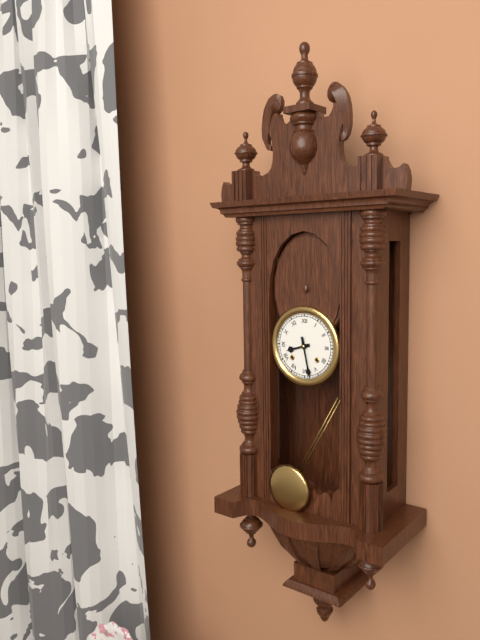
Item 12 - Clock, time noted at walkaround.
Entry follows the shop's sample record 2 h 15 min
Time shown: 8 h 28 min
